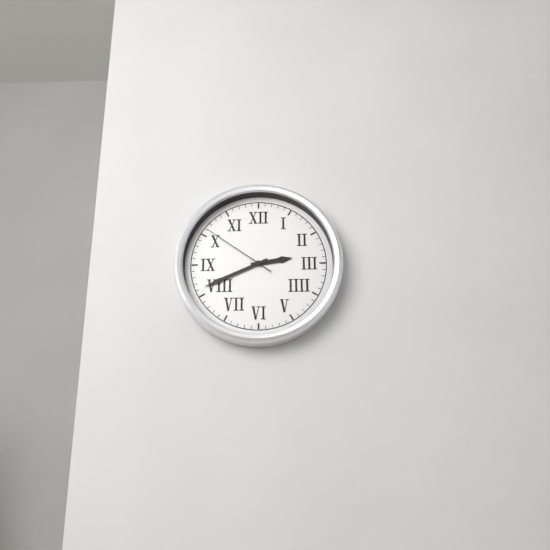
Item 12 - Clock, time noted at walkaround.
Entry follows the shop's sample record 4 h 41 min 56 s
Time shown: 2 h 41 min 51 s
